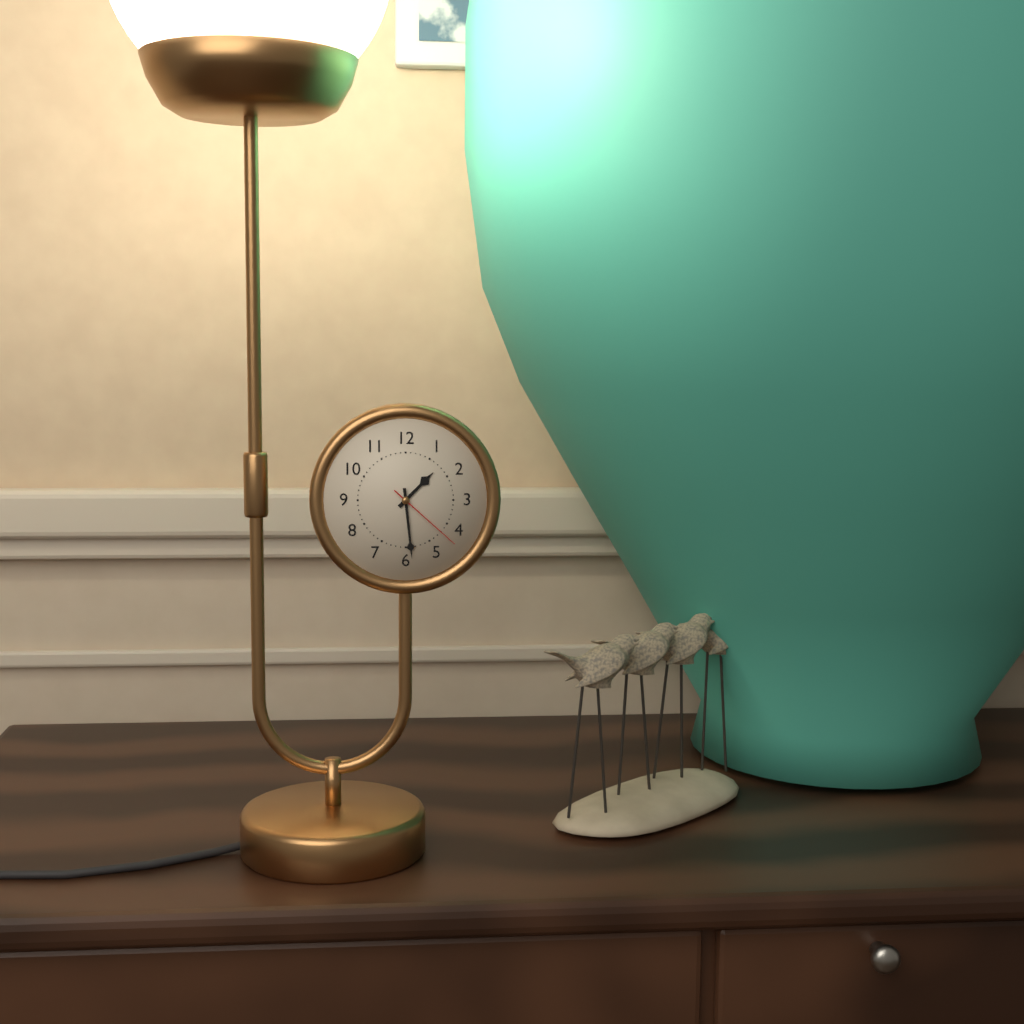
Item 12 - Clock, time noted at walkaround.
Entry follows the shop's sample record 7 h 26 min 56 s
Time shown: 1 h 29 min 22 s
